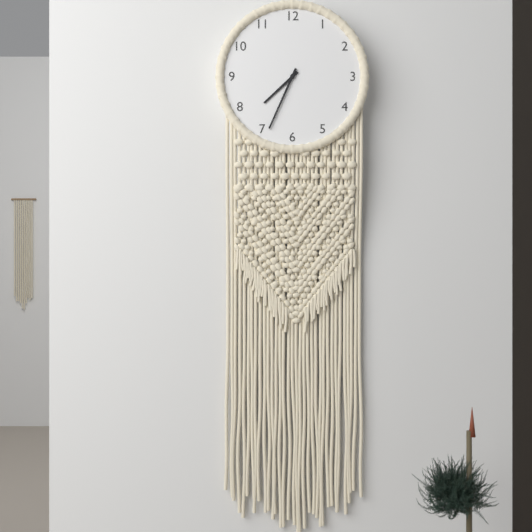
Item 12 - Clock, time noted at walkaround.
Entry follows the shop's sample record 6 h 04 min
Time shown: 7 h 34 min
